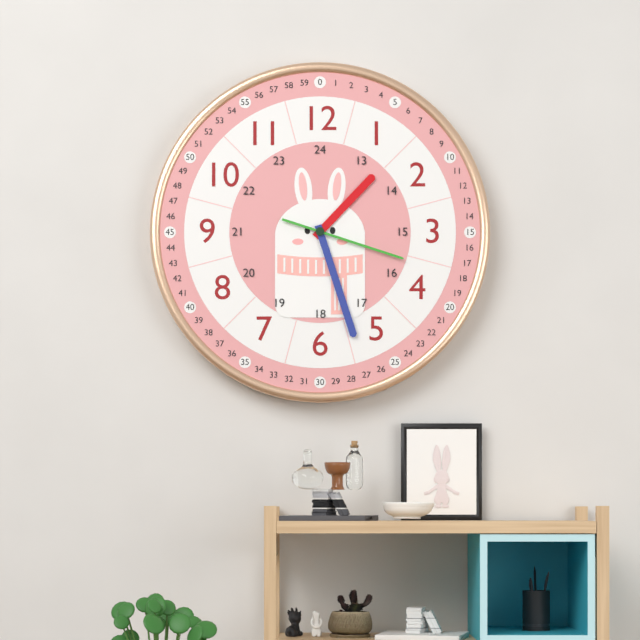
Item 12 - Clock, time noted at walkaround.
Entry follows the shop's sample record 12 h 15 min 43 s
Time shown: 1 h 27 min 18 s
